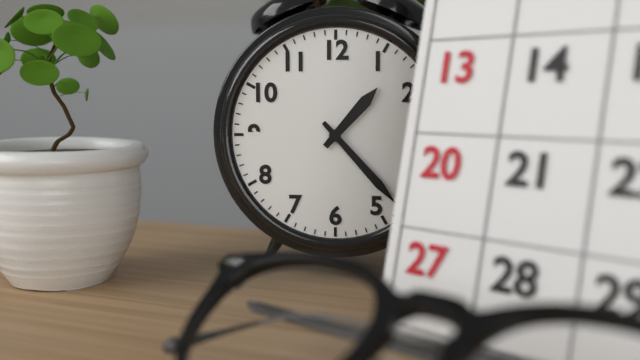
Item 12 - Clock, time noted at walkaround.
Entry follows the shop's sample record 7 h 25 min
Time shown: 1 h 23 min
